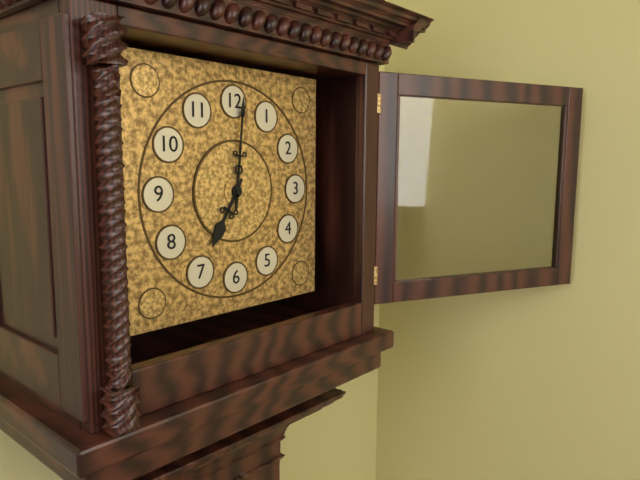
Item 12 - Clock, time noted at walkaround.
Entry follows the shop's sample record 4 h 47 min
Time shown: 7 h 01 min
